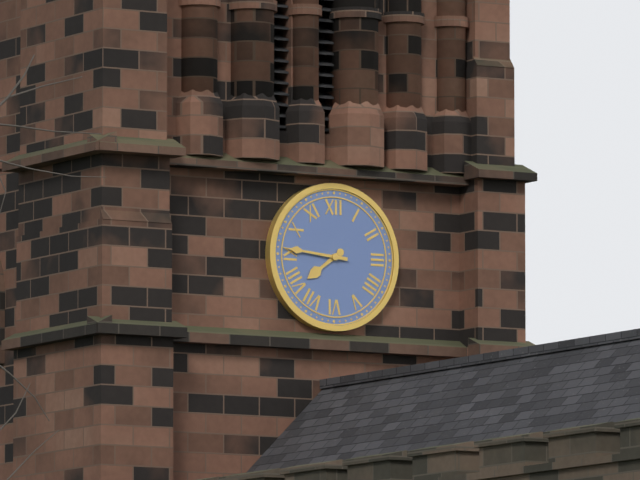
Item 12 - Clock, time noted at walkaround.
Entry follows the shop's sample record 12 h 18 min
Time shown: 7 h 46 min
